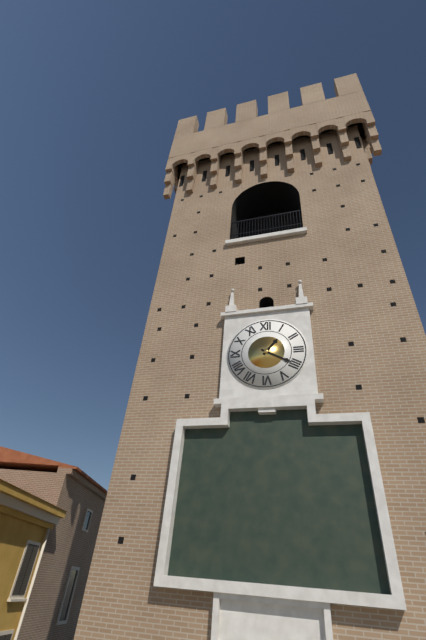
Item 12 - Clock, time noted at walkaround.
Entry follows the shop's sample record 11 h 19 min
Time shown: 1 h 20 min
